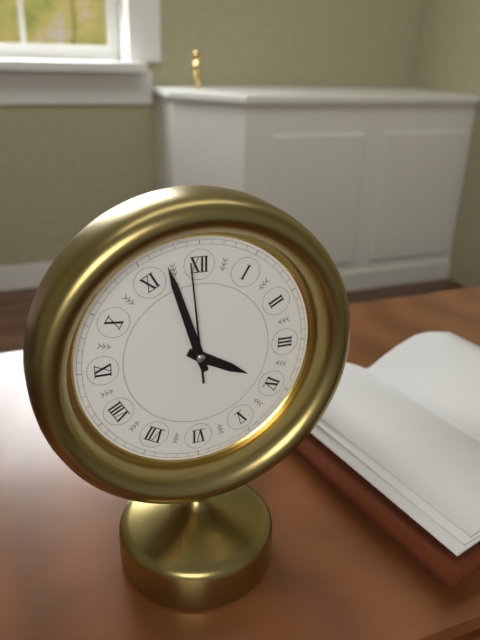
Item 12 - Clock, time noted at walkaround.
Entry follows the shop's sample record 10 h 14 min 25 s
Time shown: 3 h 57 min 59 s
